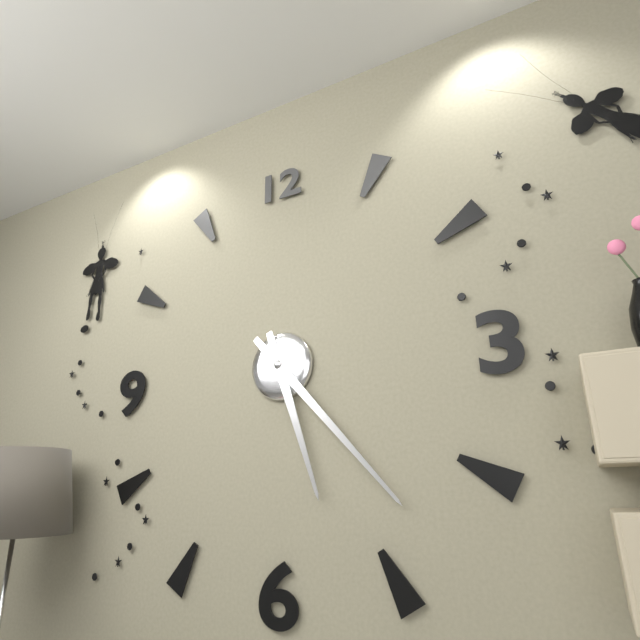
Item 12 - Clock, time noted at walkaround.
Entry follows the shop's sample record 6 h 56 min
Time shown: 5 h 23 min
